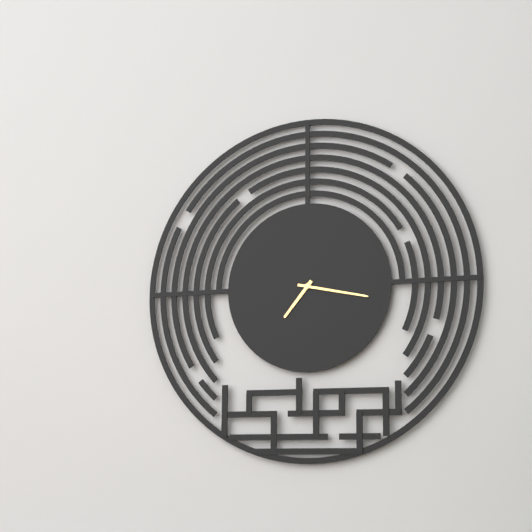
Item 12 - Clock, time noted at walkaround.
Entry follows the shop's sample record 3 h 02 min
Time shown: 7 h 17 min
